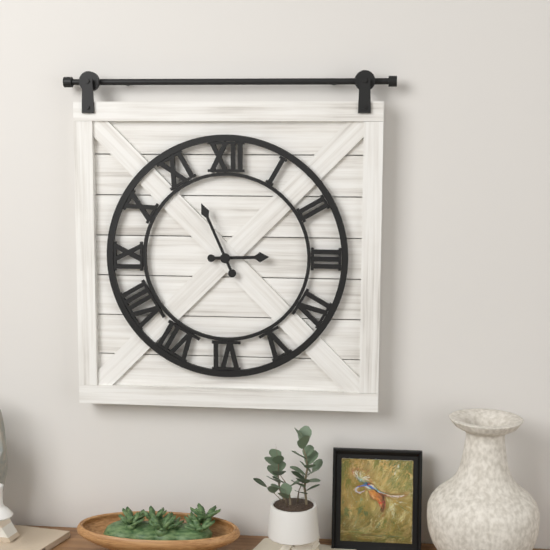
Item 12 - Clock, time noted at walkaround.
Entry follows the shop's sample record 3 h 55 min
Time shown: 2 h 56 min
